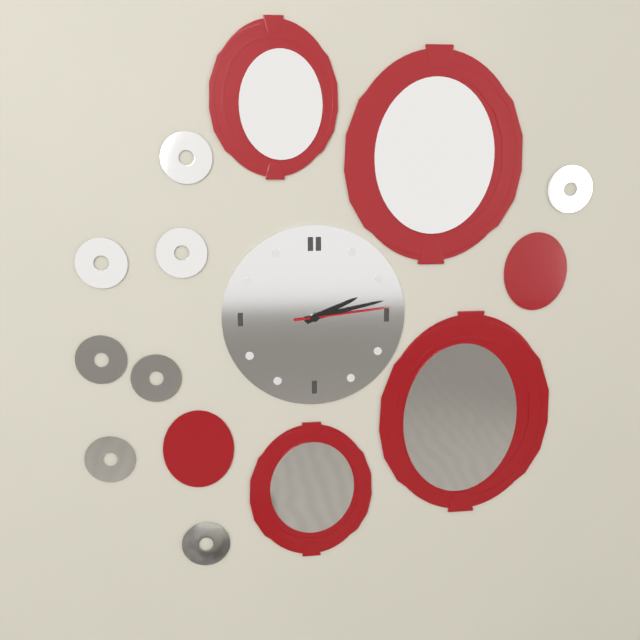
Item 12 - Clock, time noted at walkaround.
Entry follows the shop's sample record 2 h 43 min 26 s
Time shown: 2 h 13 min 14 s
